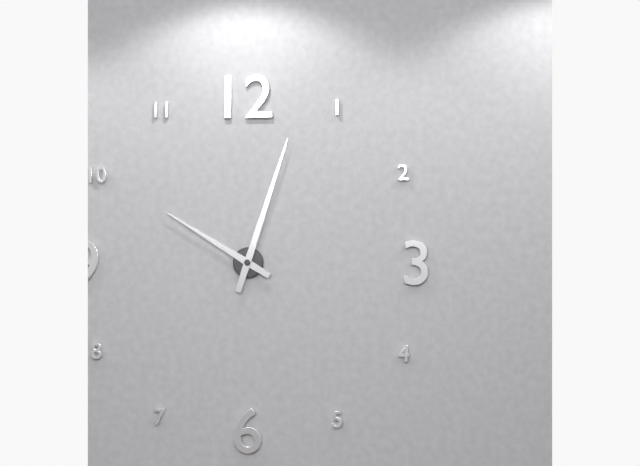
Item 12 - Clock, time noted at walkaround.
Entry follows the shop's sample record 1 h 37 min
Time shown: 10 h 03 min
